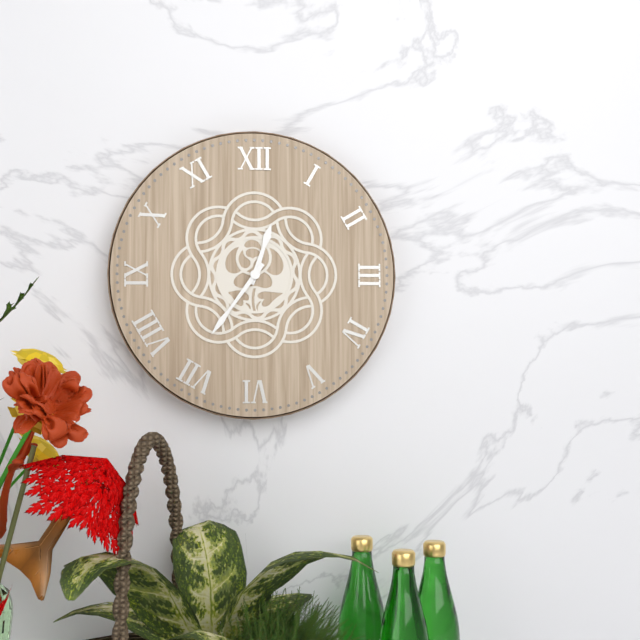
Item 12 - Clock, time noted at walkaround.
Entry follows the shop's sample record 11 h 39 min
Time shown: 12 h 36 min
